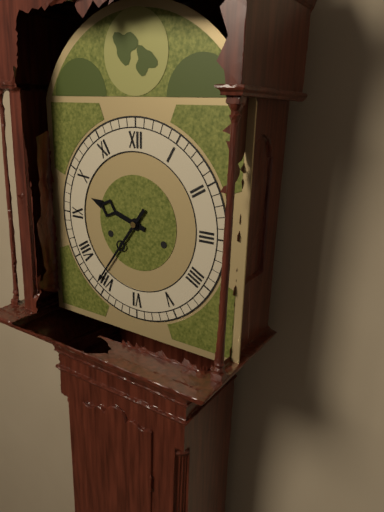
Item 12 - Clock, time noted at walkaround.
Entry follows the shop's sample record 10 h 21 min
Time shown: 9 h 36 min
